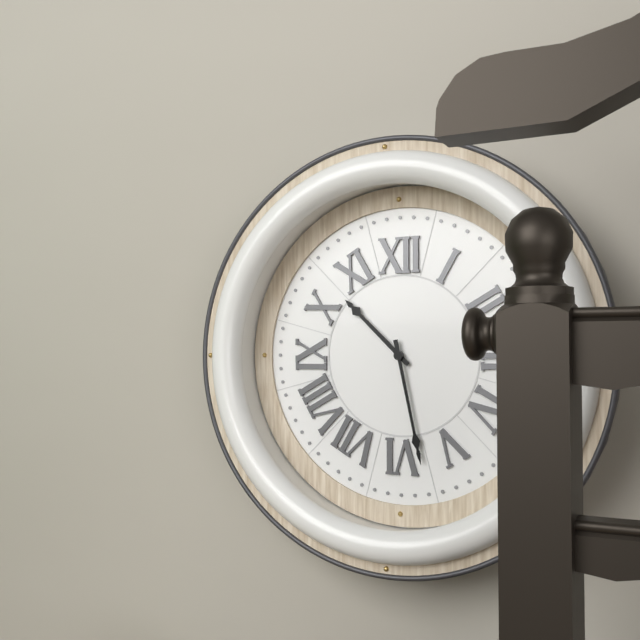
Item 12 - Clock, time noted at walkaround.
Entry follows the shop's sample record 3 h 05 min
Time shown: 10 h 28 min
